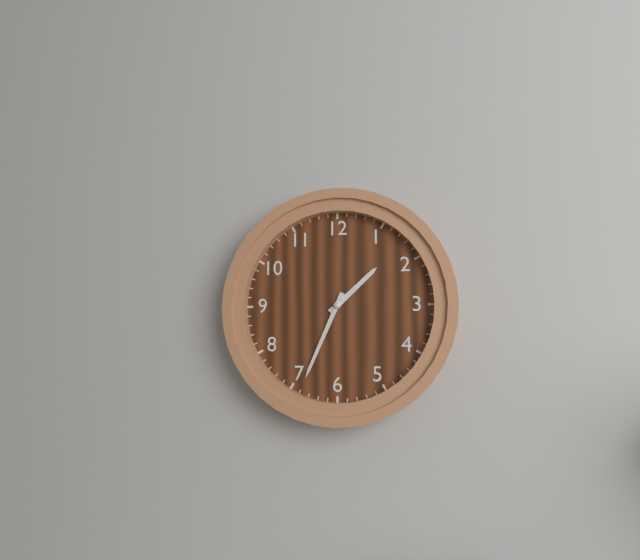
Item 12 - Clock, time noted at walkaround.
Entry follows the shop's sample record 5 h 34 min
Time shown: 1 h 34 min
